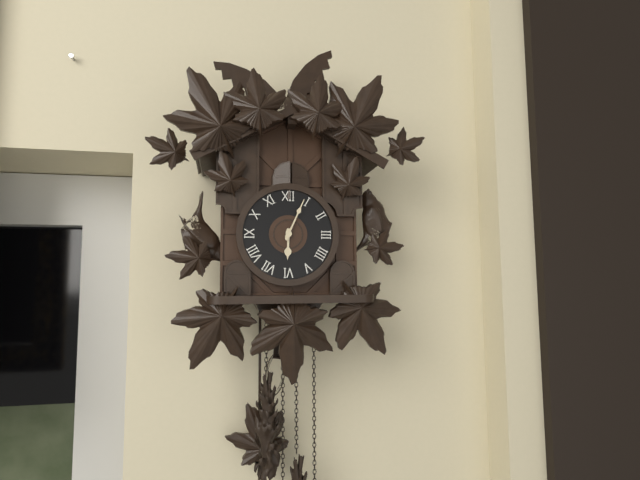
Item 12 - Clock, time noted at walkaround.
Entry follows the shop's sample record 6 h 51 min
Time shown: 6 h 04 min
